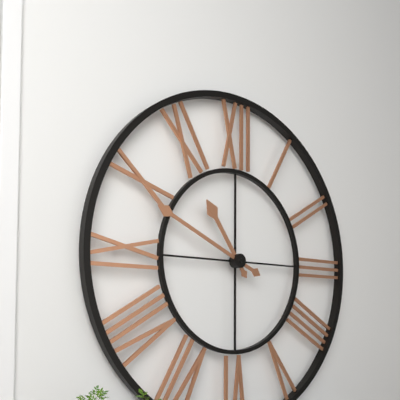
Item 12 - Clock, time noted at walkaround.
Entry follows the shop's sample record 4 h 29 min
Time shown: 10 h 49 min
